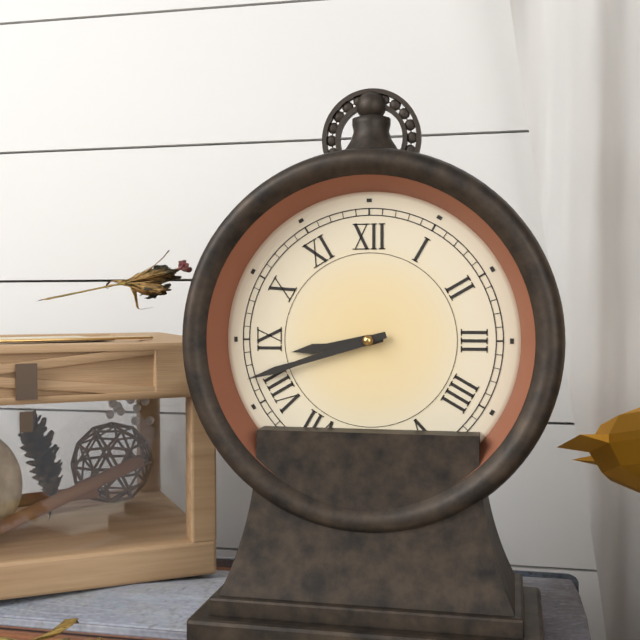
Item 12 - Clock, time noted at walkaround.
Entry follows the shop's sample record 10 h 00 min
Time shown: 8 h 42 min
